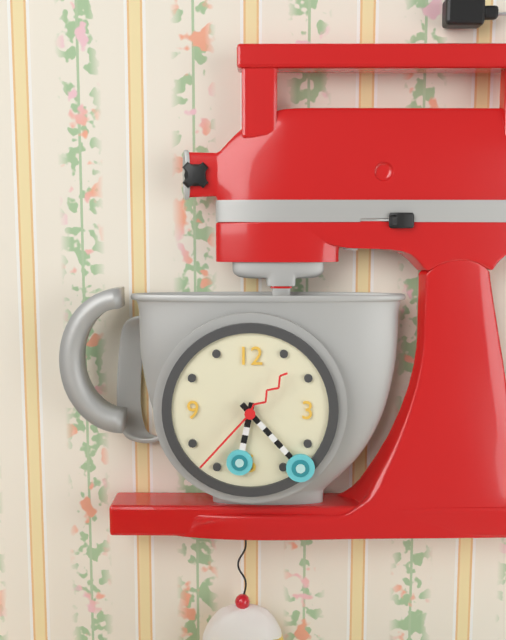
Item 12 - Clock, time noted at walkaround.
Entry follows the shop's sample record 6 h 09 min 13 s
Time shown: 6 h 23 min 37 s
